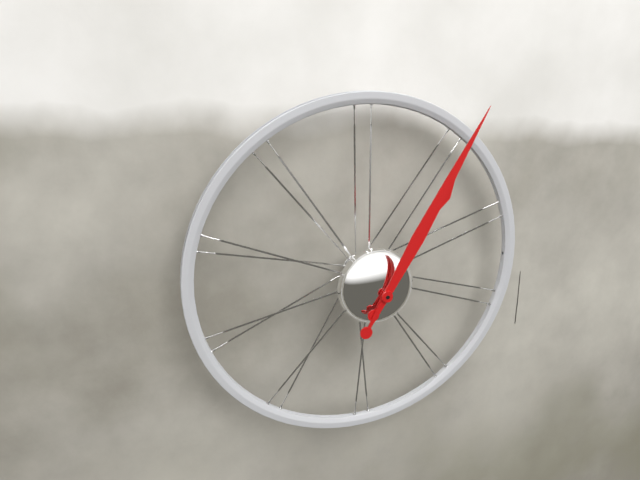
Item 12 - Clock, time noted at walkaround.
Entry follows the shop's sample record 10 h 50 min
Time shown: 1 h 05 min
